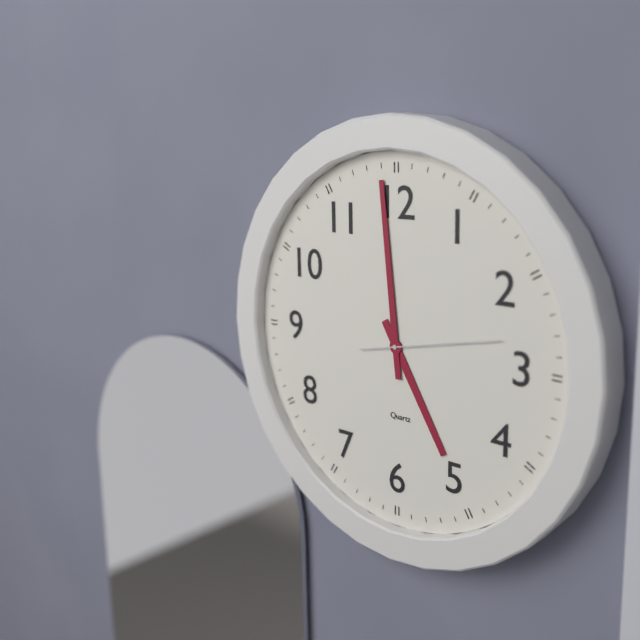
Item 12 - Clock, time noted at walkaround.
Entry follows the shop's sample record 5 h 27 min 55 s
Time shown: 4 h 59 min 13 s
